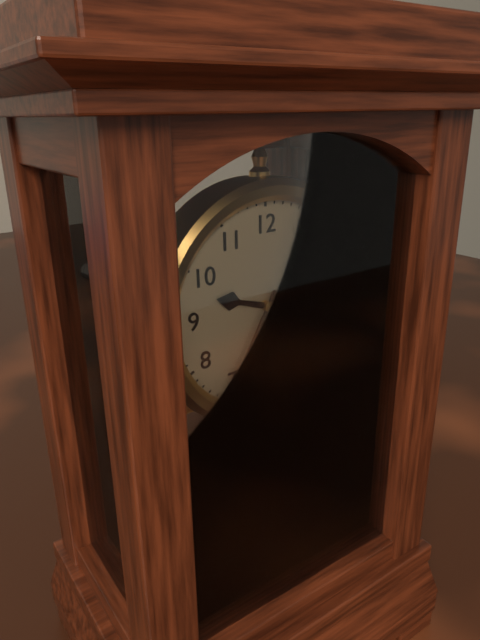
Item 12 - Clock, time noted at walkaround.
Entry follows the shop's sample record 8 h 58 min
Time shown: 9 h 35 min
